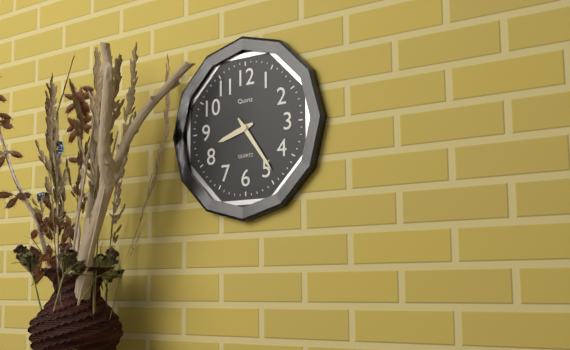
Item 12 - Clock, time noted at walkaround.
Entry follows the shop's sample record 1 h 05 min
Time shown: 8 h 24 min
